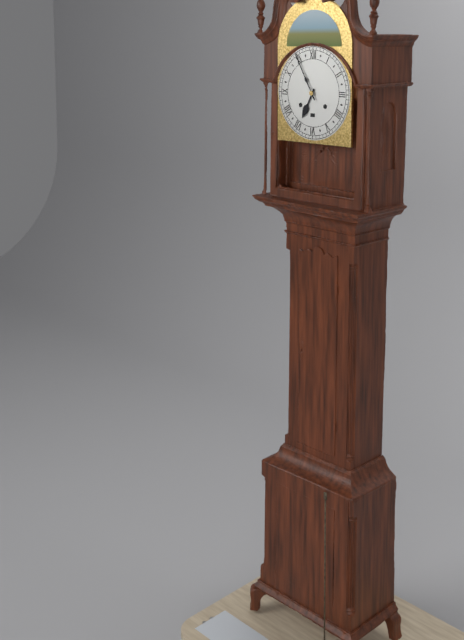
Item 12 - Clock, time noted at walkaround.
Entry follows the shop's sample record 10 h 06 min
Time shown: 6 h 55 min
